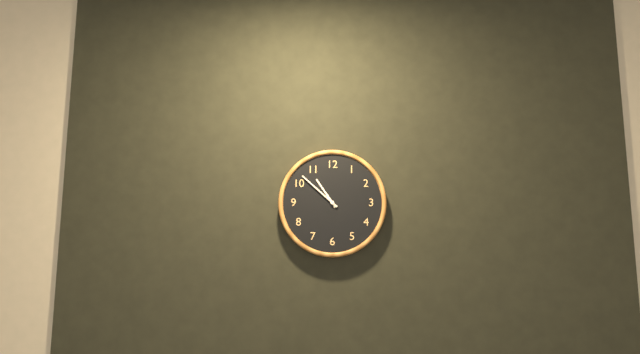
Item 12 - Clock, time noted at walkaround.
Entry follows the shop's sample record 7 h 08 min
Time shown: 10 h 52 min
